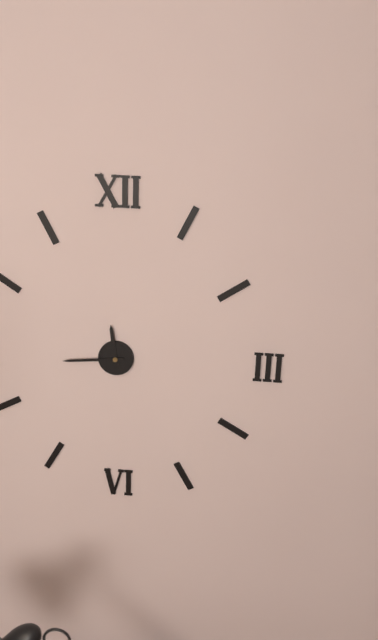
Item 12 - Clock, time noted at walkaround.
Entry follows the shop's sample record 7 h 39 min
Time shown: 11 h 44 min
